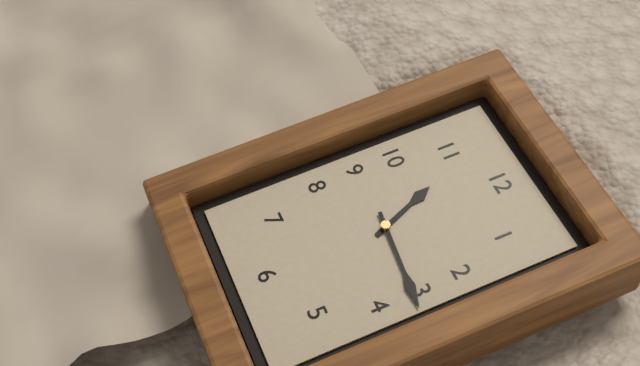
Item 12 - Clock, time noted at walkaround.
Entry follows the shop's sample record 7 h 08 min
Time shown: 11 h 16 min
